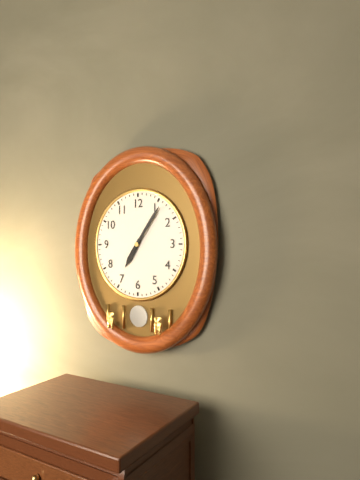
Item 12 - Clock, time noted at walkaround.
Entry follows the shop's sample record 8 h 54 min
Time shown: 7 h 06 min
